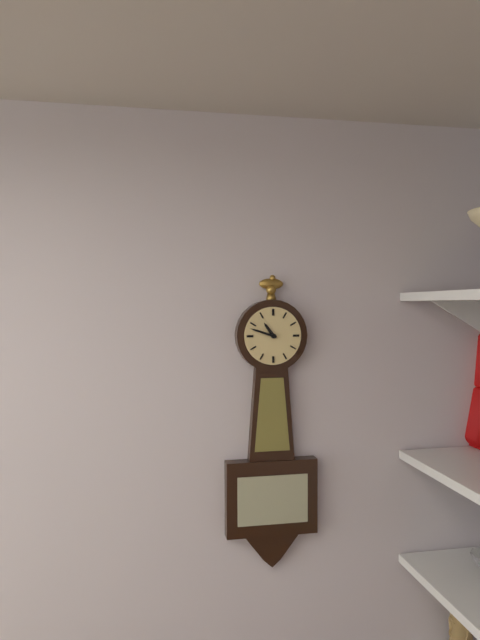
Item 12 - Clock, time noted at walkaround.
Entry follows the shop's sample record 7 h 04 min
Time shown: 10 h 48 min
